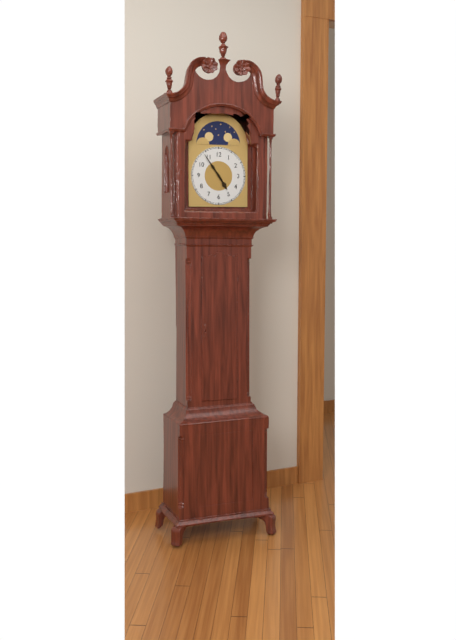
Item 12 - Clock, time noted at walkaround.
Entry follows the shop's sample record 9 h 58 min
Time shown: 4 h 54 min
